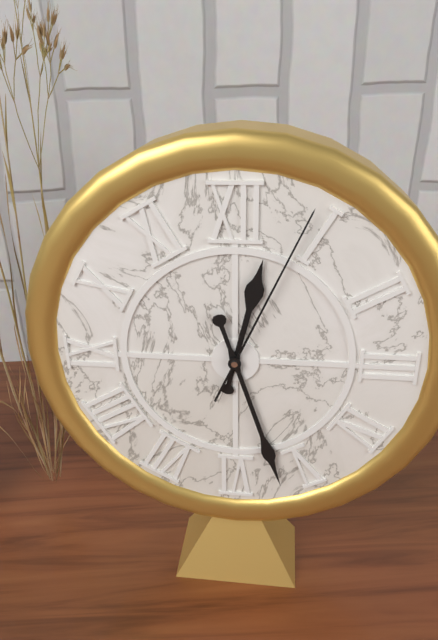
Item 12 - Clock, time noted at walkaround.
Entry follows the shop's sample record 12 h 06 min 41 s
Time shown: 12 h 27 min 04 s
